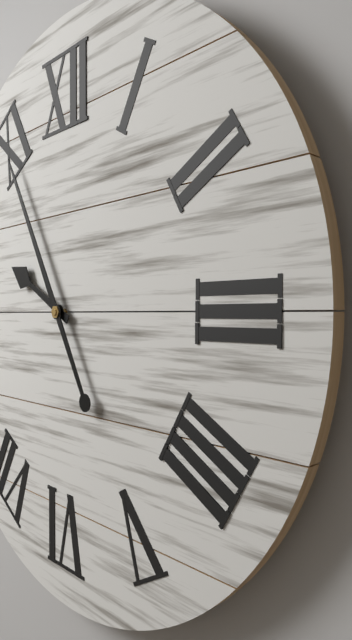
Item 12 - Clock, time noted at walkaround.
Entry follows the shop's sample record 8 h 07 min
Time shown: 9 h 55 min
